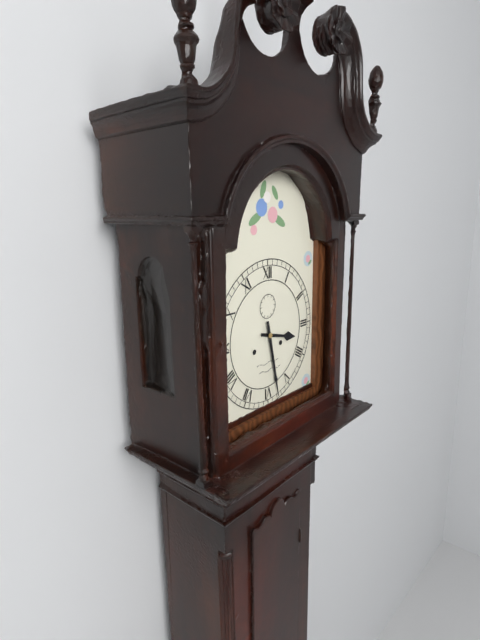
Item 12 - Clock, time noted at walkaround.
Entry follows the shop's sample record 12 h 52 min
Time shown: 3 h 28 min
